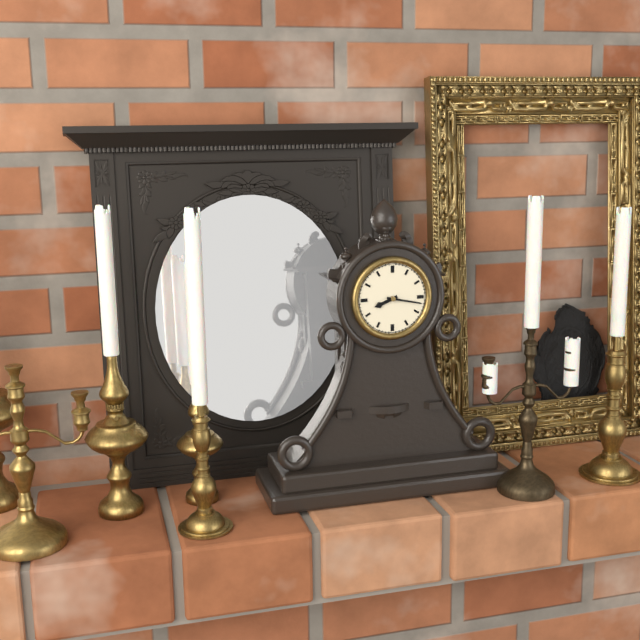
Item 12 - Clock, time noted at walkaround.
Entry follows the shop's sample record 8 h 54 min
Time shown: 8 h 17 min
